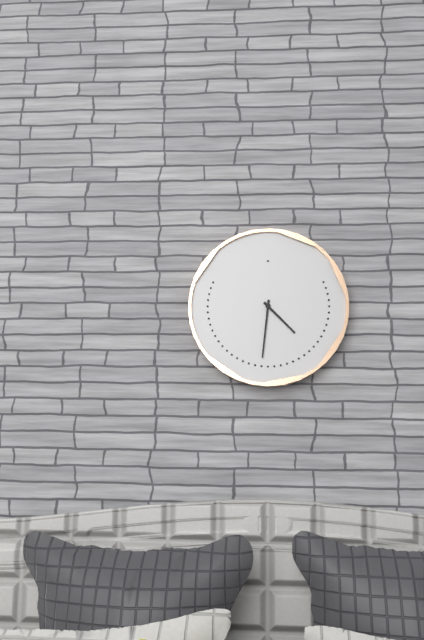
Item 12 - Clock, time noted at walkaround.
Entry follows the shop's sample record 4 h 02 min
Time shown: 4 h 31 min
